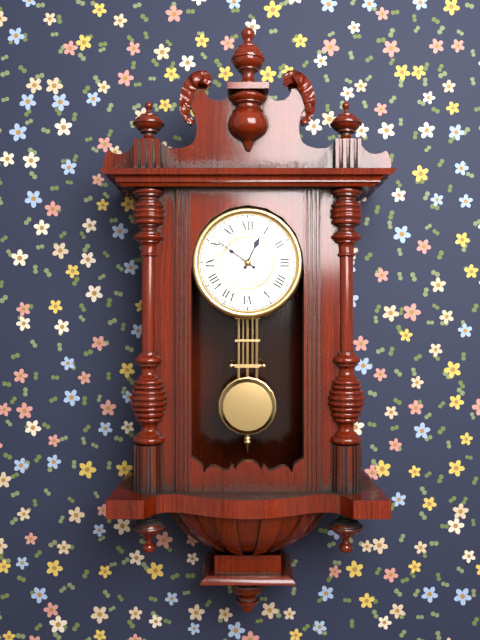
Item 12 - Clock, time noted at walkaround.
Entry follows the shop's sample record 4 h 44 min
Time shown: 12 h 51 min
